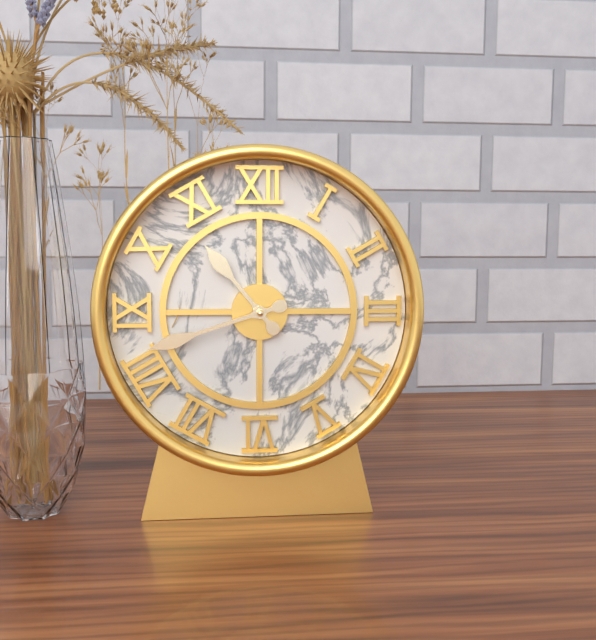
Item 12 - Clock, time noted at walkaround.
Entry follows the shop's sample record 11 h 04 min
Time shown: 10 h 42 min
